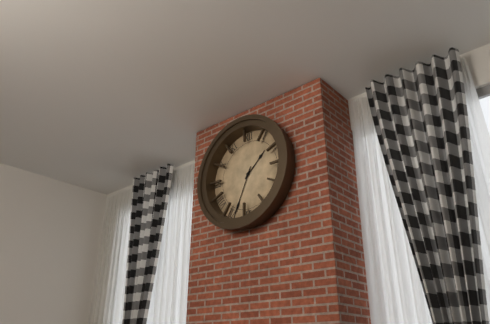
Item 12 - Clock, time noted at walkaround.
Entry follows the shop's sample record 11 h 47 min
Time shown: 1 h 34 min
